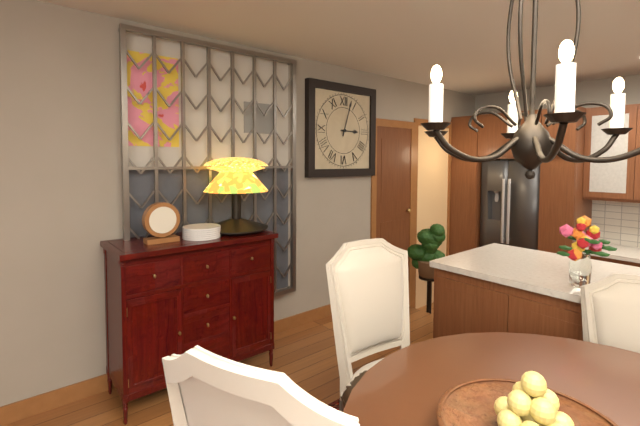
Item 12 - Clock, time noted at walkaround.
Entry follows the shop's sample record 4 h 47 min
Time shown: 3 h 03 min
